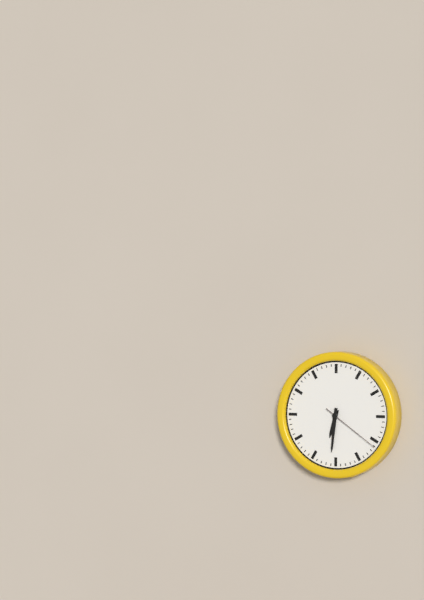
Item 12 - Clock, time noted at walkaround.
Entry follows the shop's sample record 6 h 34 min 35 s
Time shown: 6 h 31 min 21 s
